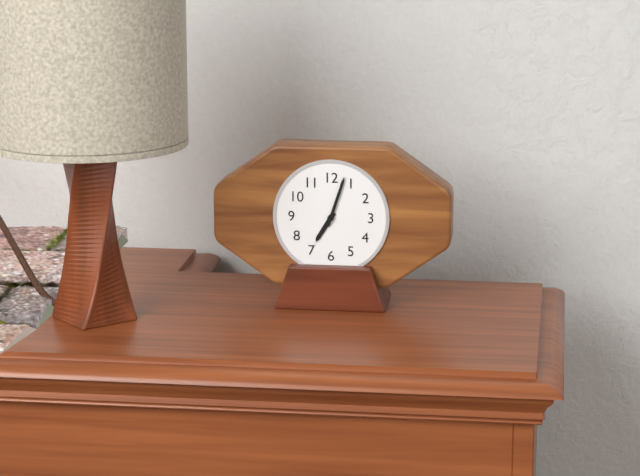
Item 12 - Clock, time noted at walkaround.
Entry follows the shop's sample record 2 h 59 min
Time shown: 7 h 03 min
